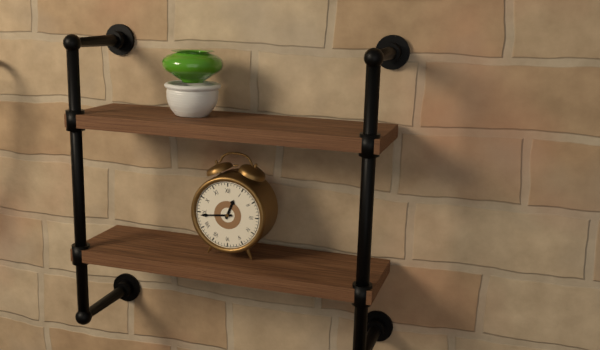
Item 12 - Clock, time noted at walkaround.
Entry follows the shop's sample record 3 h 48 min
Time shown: 12 h 44 min
